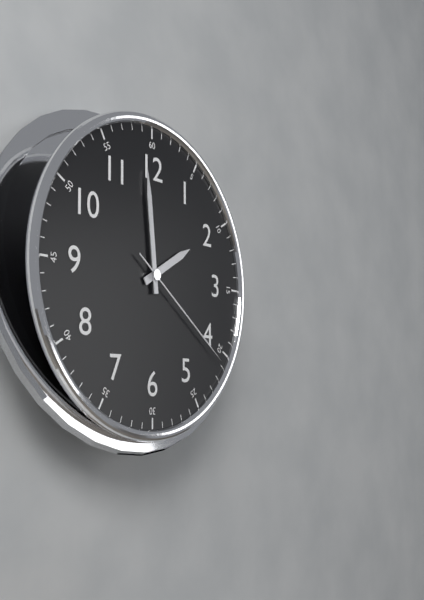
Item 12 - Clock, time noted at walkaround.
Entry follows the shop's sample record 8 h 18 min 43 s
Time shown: 1 h 59 min 21 s
